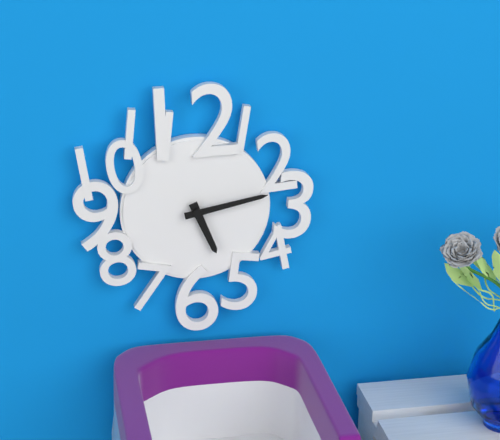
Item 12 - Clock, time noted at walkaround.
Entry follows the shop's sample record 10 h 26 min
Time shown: 5 h 13 min
